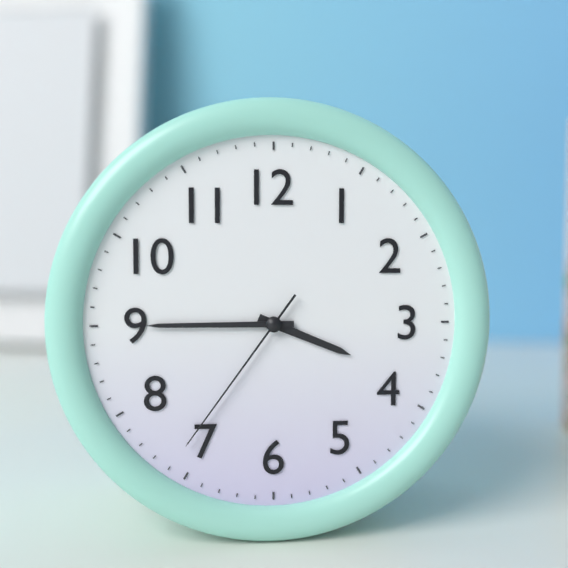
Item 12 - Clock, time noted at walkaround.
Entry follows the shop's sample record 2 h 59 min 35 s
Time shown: 3 h 45 min 36 s
